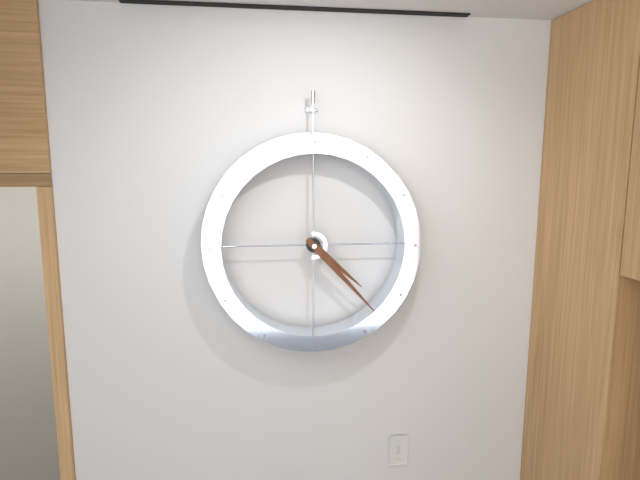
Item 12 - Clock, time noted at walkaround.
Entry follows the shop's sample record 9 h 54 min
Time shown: 4 h 23 min
